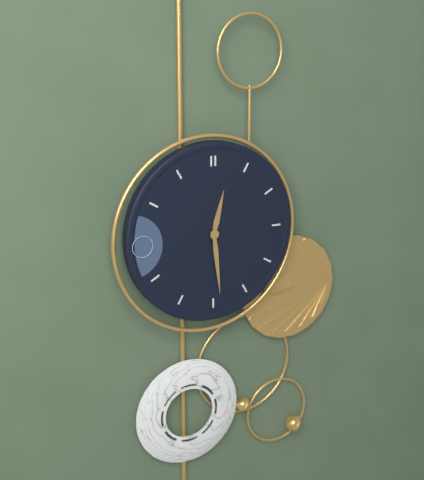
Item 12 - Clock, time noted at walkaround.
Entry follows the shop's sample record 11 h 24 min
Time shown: 12 h 29 min
